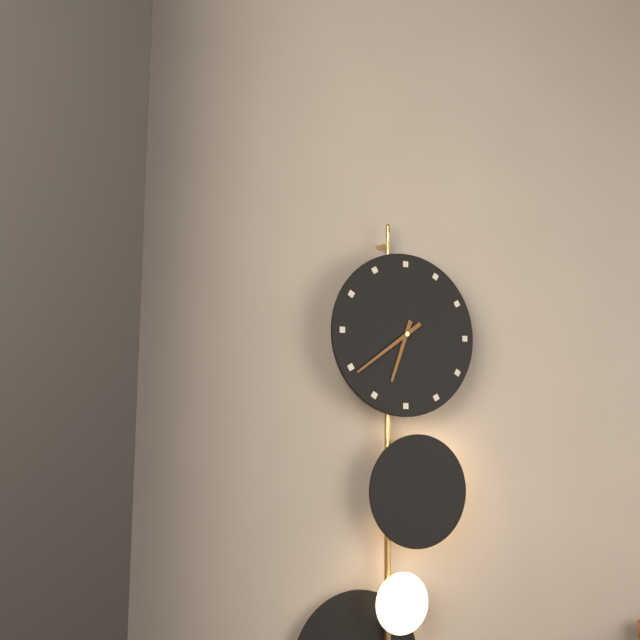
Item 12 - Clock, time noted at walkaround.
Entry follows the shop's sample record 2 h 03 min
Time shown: 6 h 39 min
